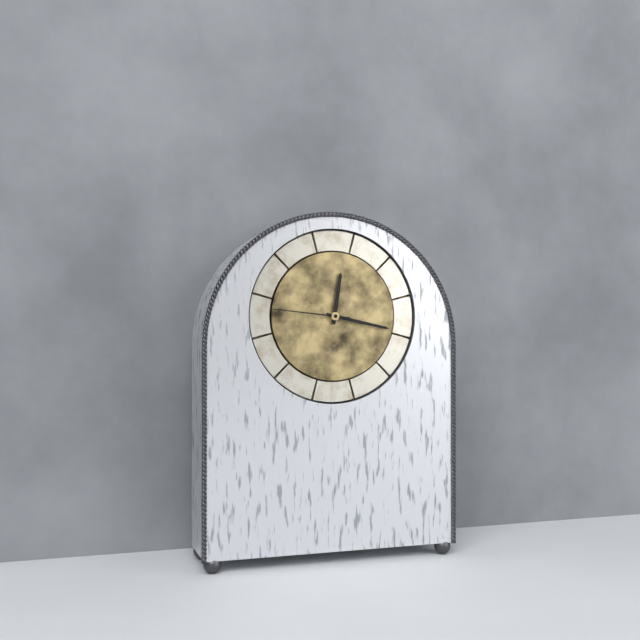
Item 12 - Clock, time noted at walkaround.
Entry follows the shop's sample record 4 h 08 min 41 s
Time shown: 12 h 17 min 46 s
